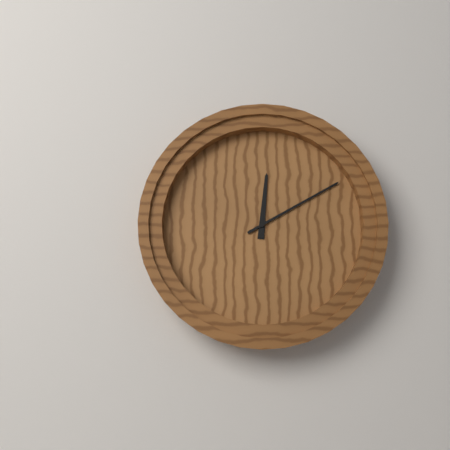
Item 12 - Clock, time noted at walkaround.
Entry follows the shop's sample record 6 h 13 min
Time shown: 12 h 10 min
